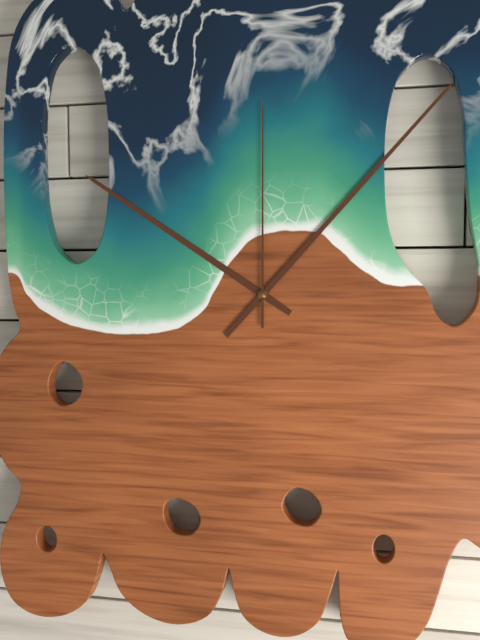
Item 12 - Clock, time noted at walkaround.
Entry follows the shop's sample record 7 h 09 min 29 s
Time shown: 10 h 07 min 00 s
